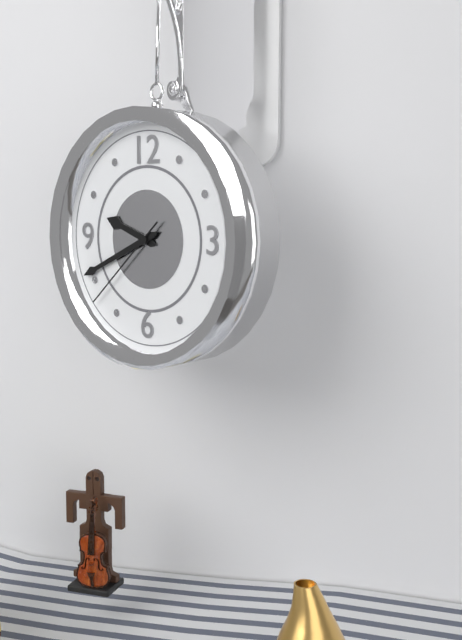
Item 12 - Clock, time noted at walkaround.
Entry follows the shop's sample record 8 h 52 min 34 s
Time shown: 9 h 41 min 38 s
